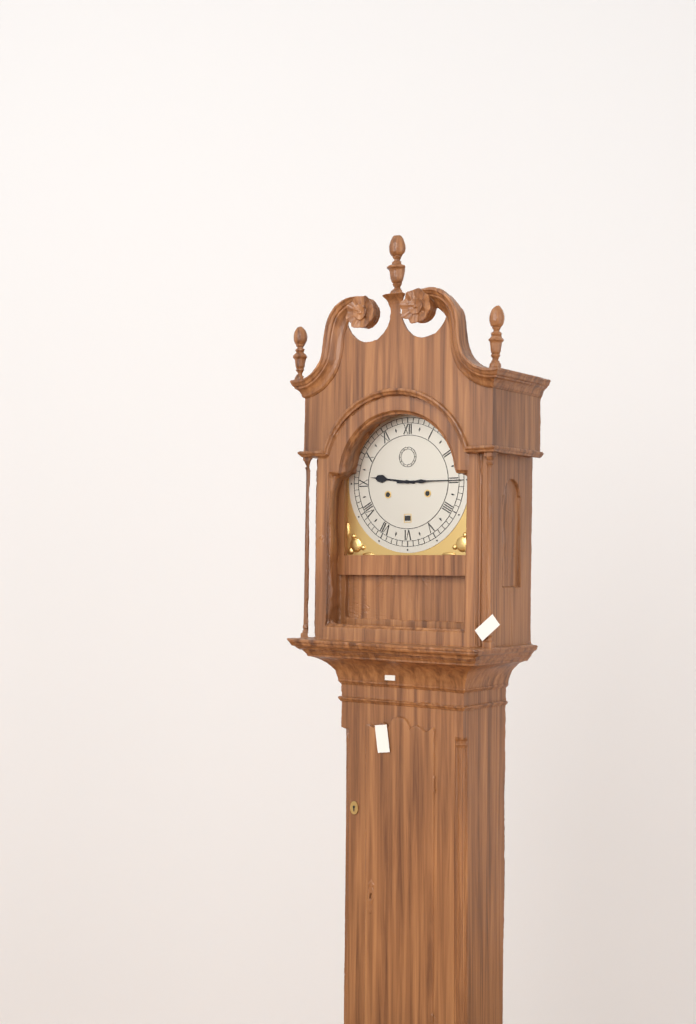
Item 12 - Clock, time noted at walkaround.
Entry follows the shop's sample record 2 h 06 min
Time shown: 9 h 15 min
